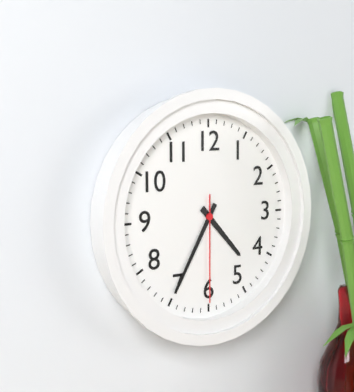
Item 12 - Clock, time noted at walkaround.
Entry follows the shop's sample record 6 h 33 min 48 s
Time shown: 4 h 35 min 30 s
